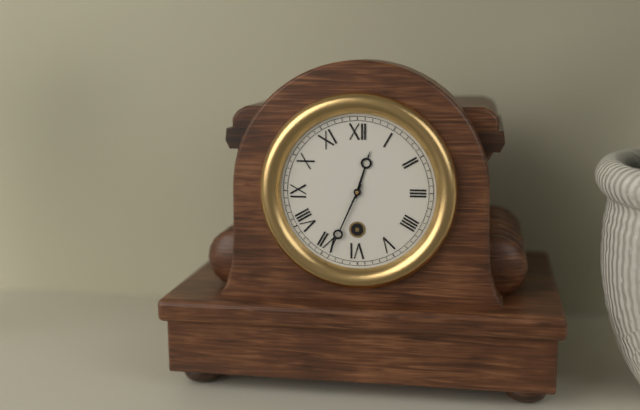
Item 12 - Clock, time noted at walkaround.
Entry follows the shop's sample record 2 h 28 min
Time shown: 12 h 34 min
